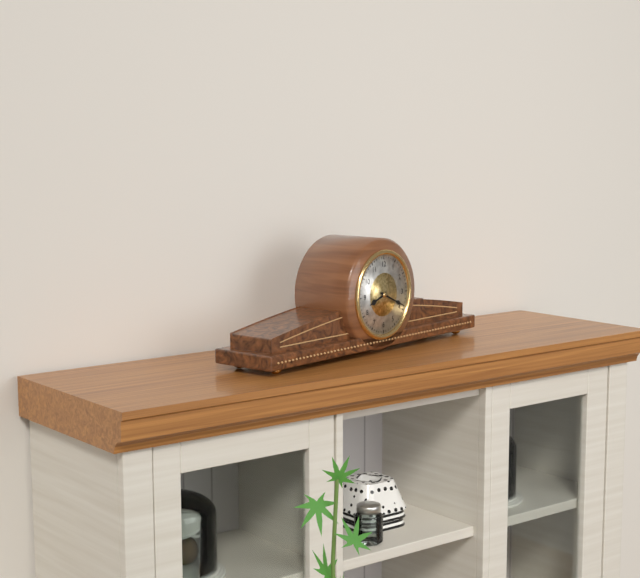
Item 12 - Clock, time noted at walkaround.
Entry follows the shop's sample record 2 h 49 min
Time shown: 8 h 19 min
